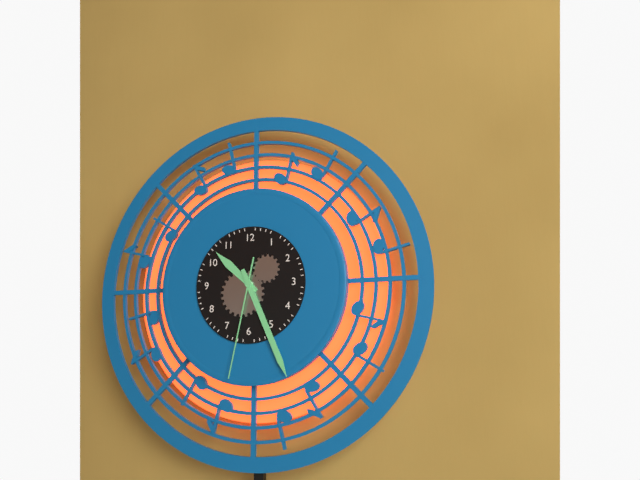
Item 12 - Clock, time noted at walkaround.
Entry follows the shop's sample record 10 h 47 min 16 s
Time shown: 10 h 26 min 32 s
